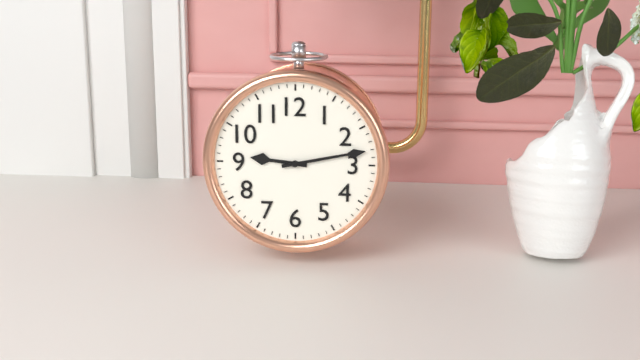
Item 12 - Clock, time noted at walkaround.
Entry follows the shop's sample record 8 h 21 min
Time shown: 9 h 13 min
